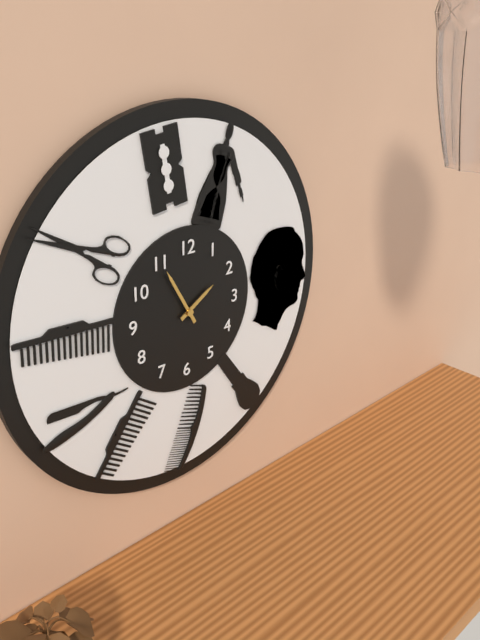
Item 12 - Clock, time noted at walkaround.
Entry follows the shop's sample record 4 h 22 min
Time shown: 1 h 55 min
